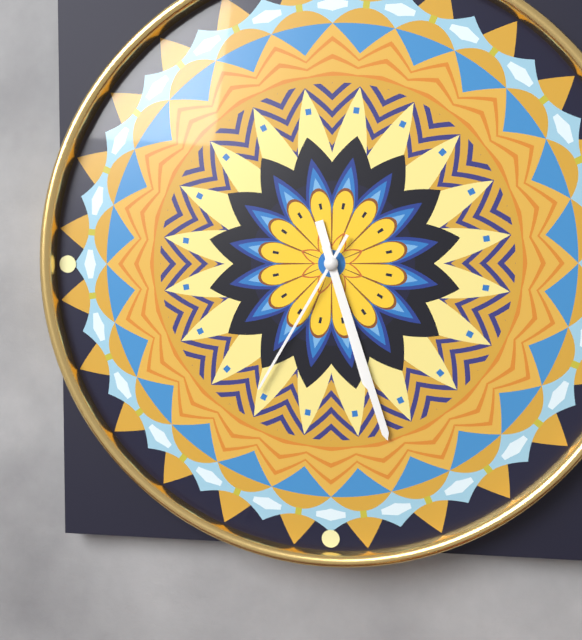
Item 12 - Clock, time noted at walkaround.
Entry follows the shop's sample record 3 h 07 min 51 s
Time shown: 5 h 27 min 35 s
